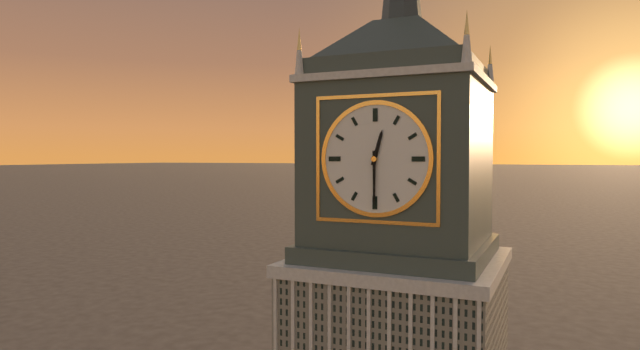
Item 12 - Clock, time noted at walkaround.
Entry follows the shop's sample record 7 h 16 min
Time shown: 12 h 30 min
